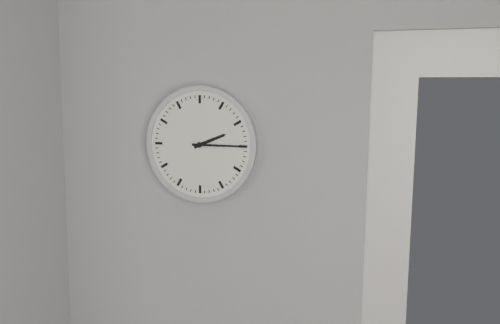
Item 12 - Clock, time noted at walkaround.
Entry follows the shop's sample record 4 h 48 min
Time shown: 2 h 15 min
